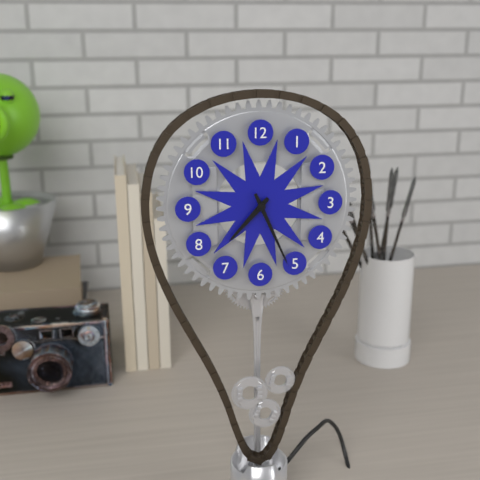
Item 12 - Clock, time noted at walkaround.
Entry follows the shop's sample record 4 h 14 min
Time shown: 7 h 26 min
